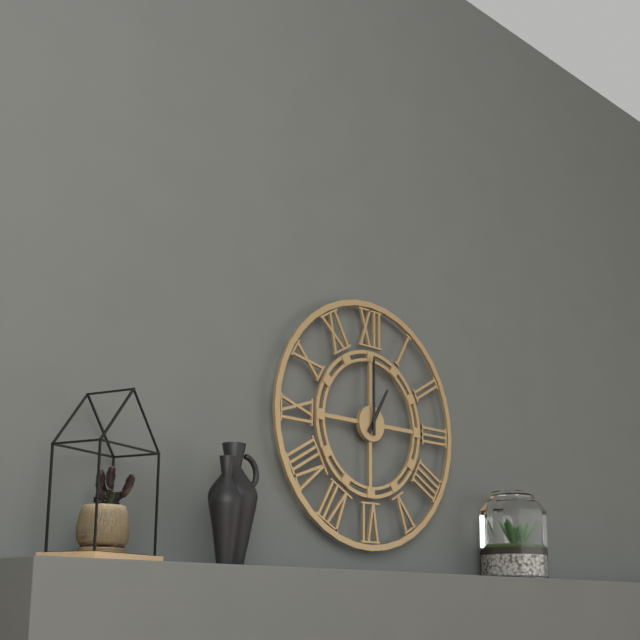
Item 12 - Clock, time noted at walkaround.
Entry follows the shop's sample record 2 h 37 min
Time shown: 1 h 00 min
